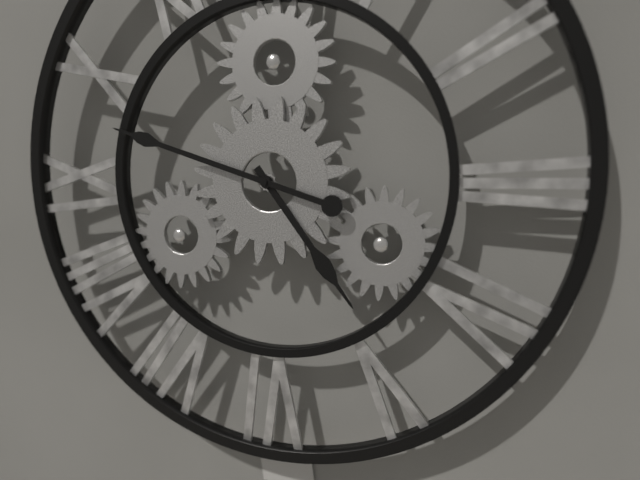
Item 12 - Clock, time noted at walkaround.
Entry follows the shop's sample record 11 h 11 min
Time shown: 4 h 48 min
